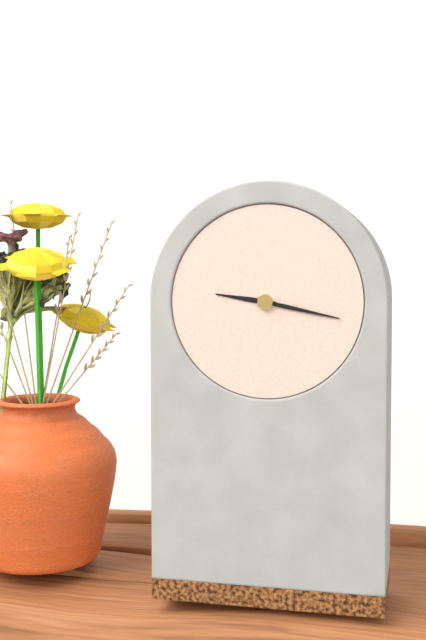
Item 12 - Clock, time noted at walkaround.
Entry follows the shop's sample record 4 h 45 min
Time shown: 9 h 17 min
